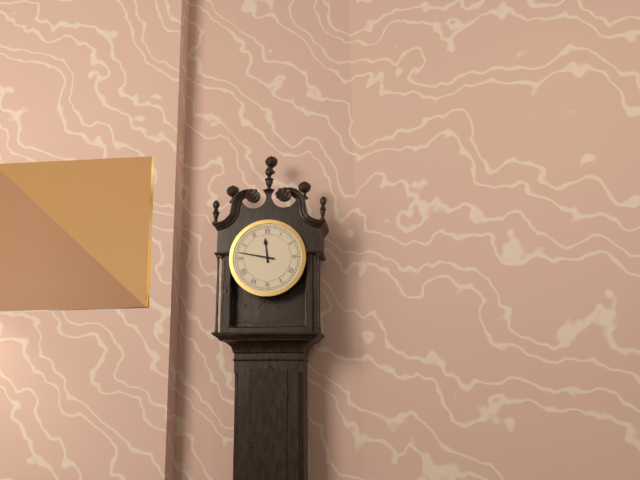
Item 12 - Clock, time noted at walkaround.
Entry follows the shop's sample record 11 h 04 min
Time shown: 11 h 47 min
